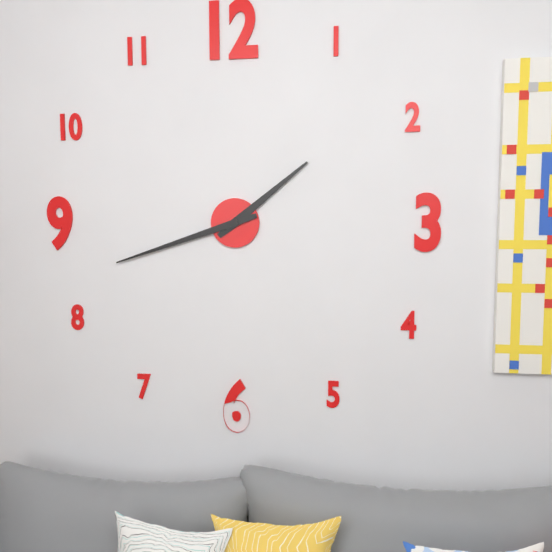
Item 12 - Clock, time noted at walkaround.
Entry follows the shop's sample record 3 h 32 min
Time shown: 1 h 42 min
